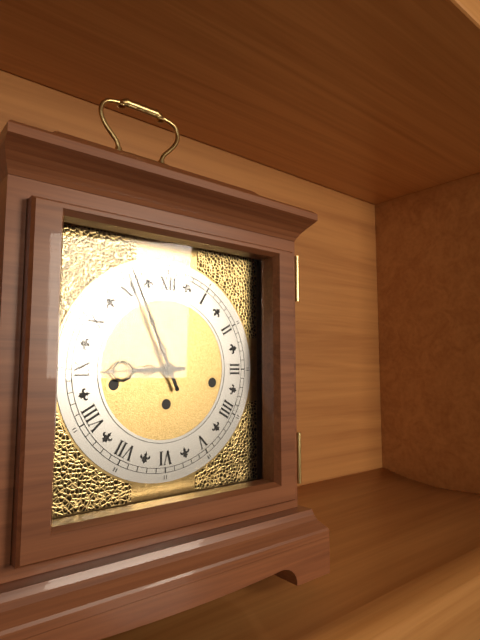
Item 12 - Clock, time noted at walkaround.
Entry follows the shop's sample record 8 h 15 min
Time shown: 8 h 56 min
